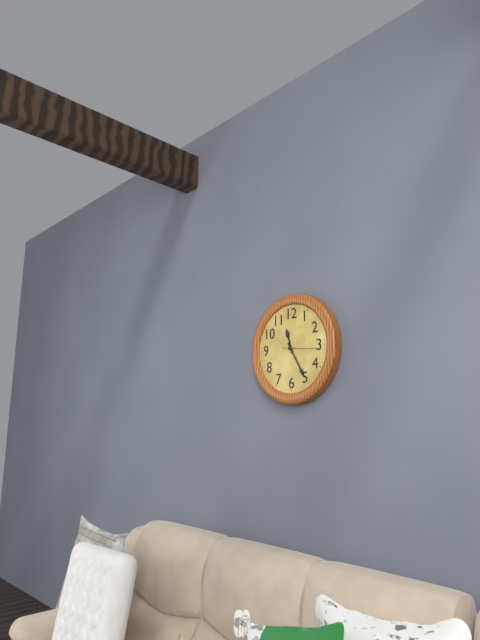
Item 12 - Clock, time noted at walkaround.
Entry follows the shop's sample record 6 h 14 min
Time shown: 11 h 25 min
